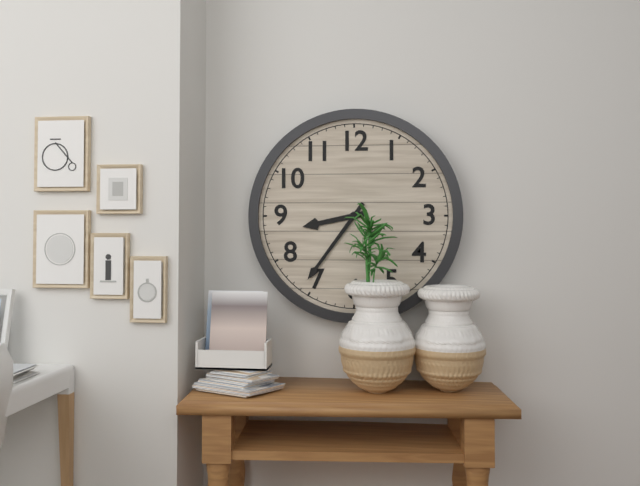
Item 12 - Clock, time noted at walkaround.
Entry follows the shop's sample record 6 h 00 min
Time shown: 8 h 36 min
